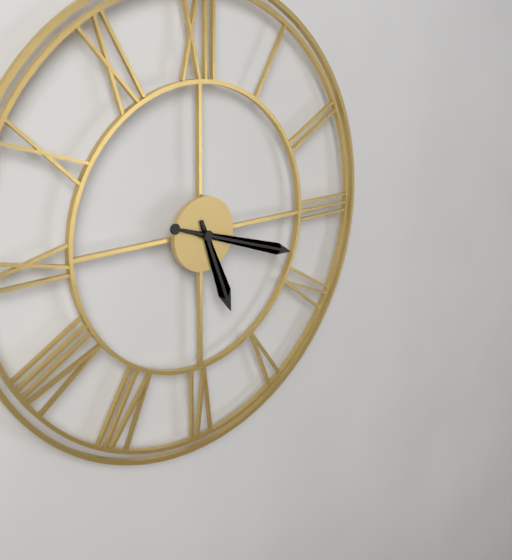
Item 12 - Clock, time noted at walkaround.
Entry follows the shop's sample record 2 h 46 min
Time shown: 5 h 18 min
